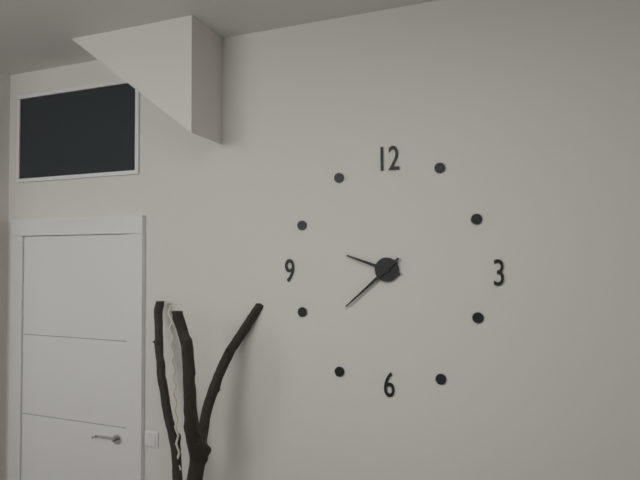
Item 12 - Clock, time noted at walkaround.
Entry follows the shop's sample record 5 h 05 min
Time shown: 9 h 38 min
